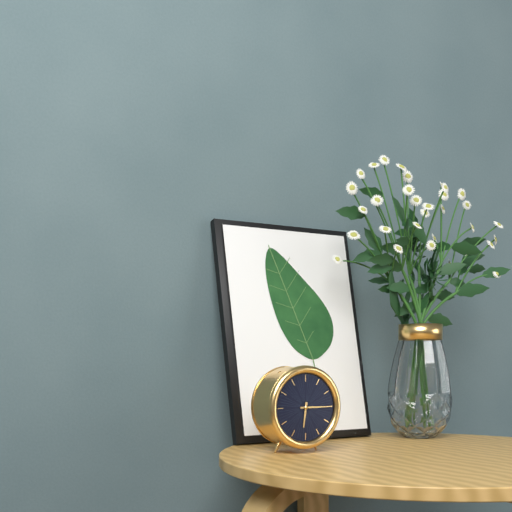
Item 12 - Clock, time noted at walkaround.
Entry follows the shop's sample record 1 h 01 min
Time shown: 6 h 15 min
